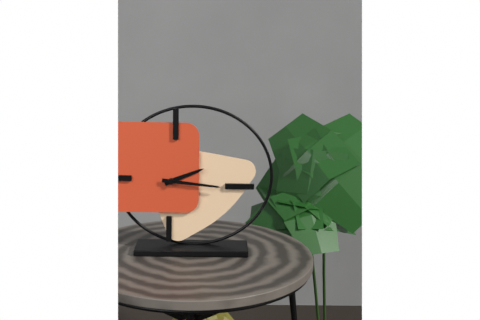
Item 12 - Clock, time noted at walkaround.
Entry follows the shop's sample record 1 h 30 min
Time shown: 2 h 16 min
